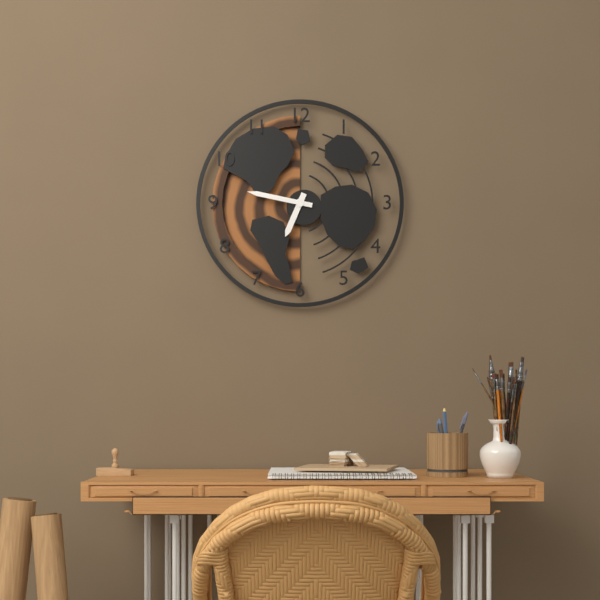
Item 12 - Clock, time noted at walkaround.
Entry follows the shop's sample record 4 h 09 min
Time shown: 6 h 47 min
